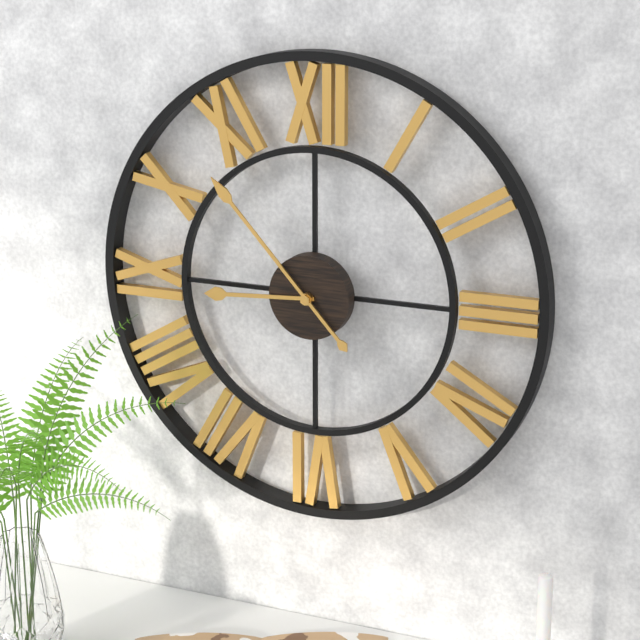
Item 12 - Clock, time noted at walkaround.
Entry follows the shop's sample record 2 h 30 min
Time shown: 8 h 53 min
